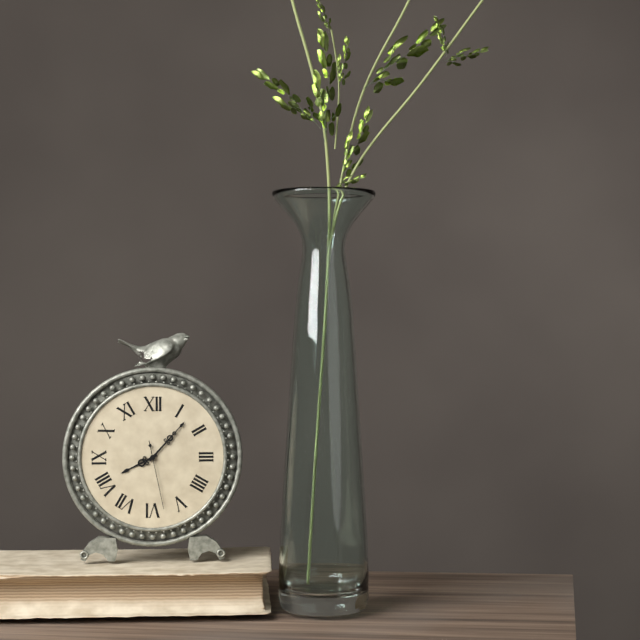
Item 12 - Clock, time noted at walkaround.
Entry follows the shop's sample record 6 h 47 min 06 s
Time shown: 8 h 07 min 28 s
